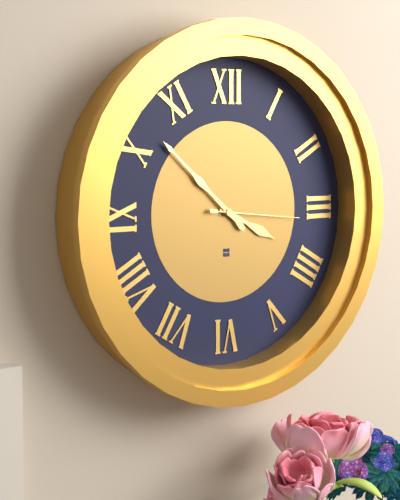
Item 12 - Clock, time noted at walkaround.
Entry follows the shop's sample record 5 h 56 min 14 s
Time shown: 3 h 52 min 16 s
